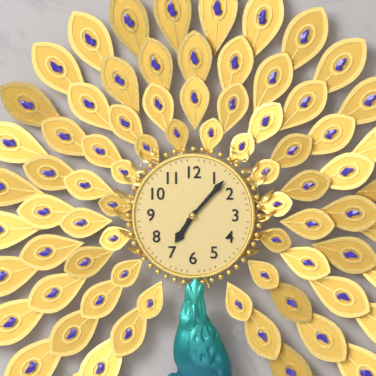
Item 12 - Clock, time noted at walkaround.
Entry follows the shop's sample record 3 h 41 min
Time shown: 7 h 07 min
